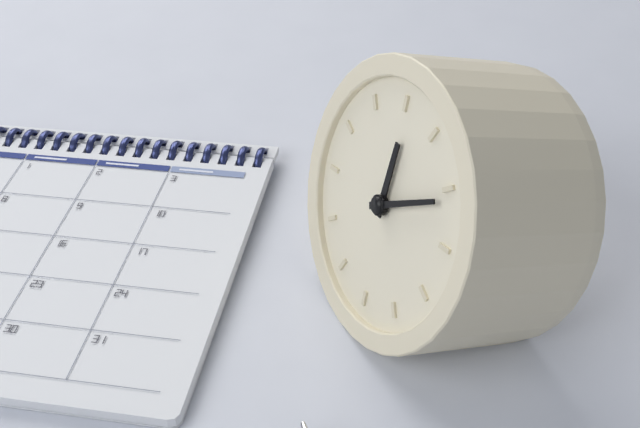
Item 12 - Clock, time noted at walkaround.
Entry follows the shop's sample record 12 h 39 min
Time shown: 12 h 11 min
